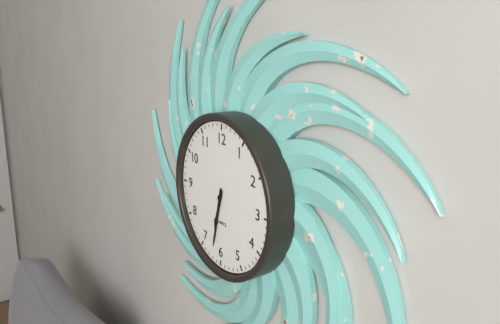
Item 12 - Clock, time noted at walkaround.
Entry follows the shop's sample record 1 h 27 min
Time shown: 6 h 32 min
